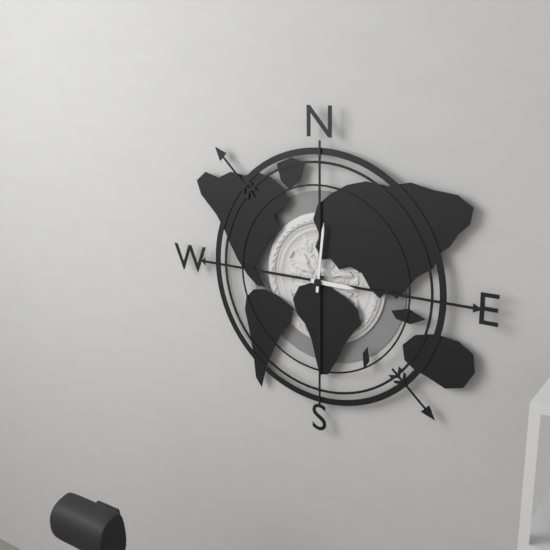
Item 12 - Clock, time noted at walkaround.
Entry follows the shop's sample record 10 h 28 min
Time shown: 3 h 01 min
